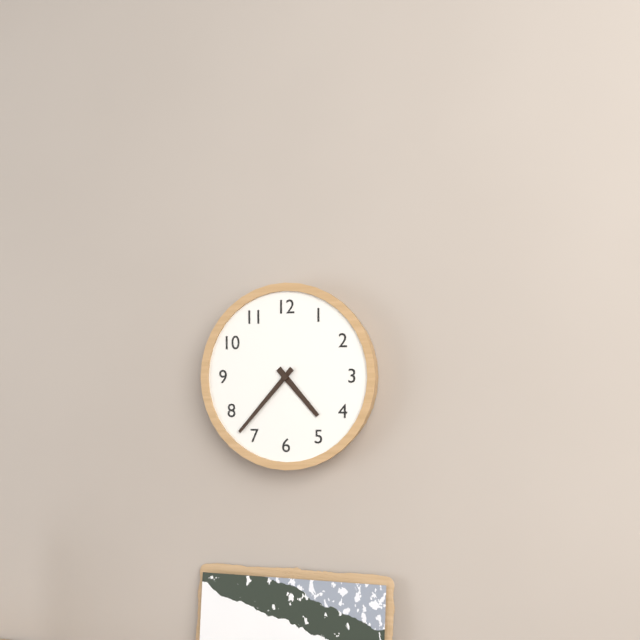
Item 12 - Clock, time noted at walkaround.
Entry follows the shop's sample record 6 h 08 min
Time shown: 4 h 37 min
